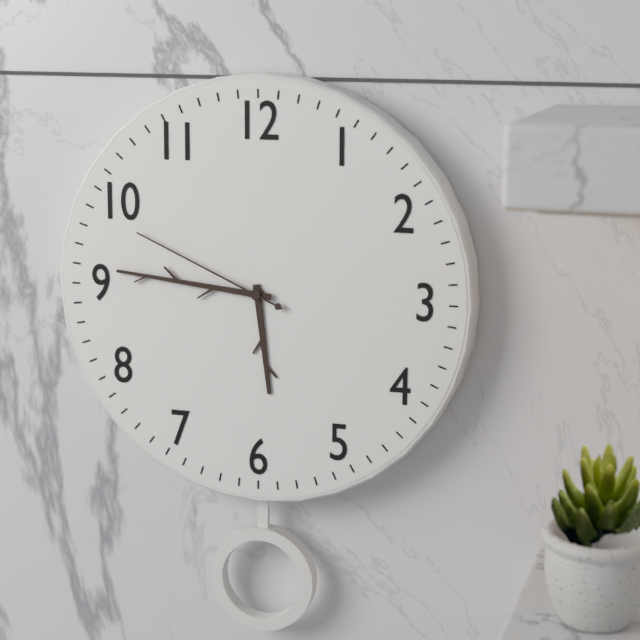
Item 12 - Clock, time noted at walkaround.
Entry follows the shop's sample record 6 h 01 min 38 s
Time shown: 5 h 46 min 49 s
